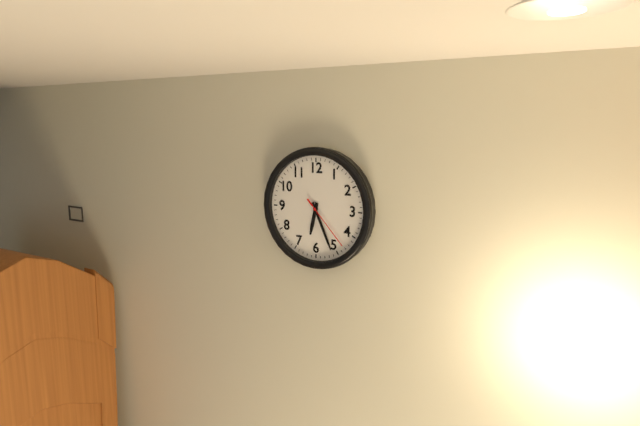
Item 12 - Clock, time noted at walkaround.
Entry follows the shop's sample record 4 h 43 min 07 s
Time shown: 6 h 26 min 23 s
